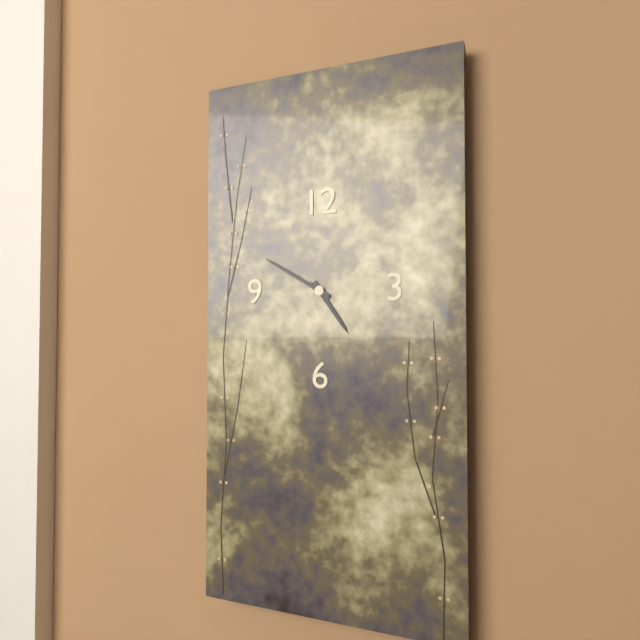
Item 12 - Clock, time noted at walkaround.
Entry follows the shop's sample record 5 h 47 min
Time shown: 4 h 50 min
